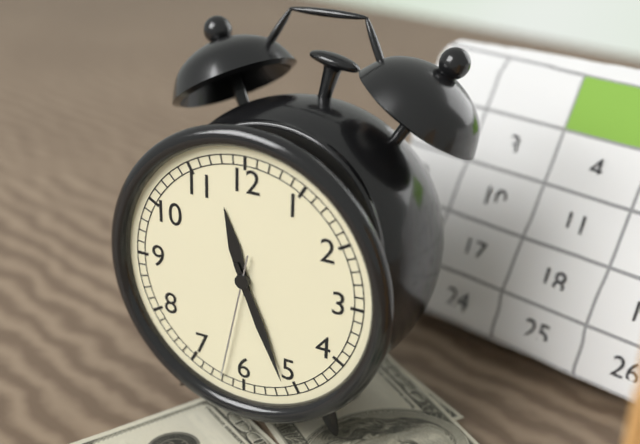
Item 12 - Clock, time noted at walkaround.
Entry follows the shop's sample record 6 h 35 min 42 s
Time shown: 11 h 26 min 32 s
